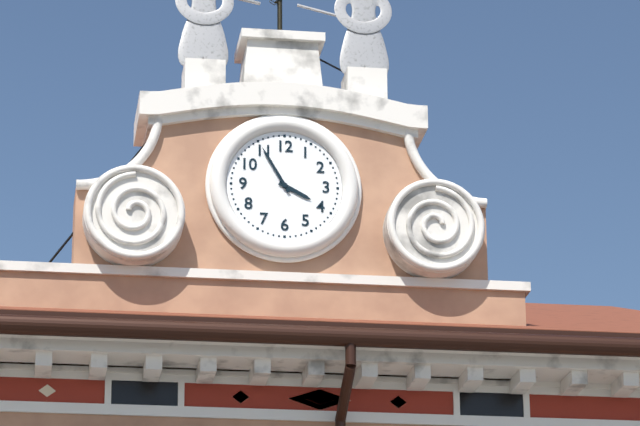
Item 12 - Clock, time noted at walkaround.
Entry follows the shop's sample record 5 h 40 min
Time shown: 3 h 55 min
